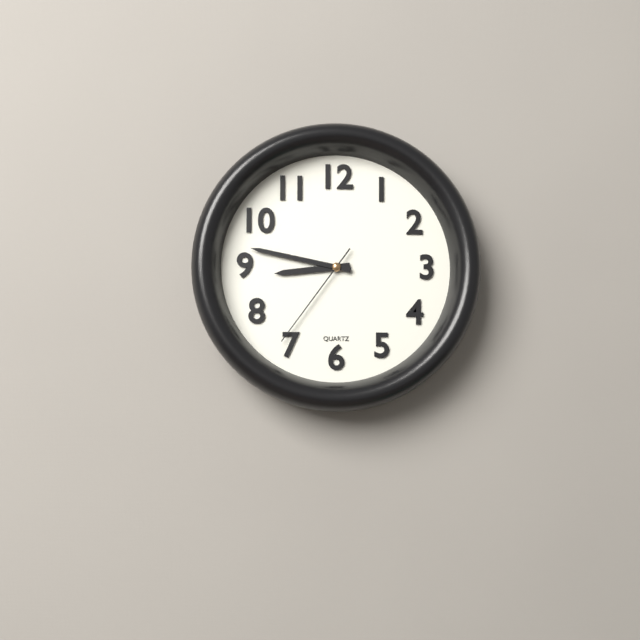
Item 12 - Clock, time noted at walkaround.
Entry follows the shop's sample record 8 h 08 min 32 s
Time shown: 8 h 47 min 36 s
